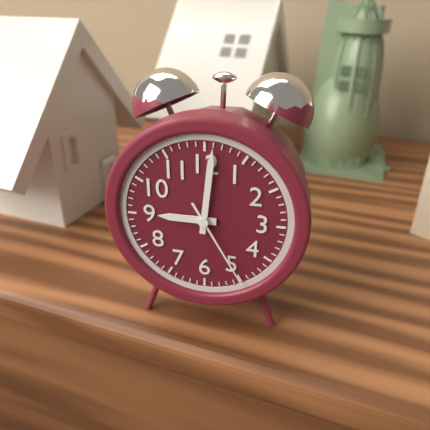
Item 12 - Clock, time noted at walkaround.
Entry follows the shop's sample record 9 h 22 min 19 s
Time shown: 9 h 01 min 25 s
